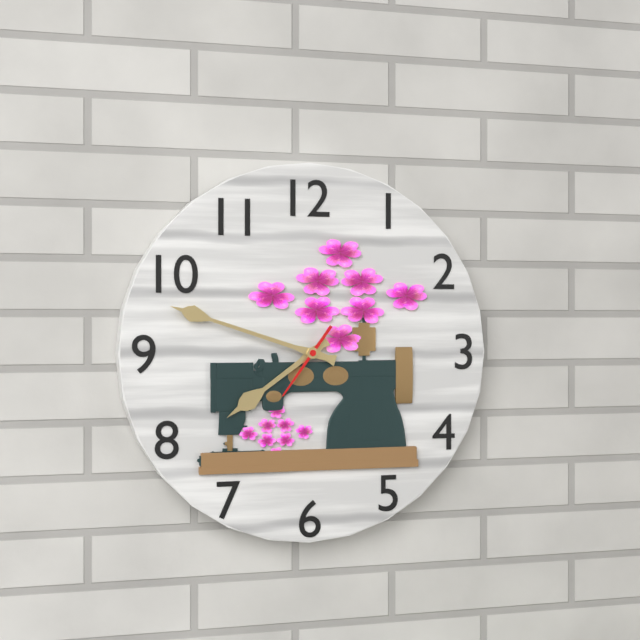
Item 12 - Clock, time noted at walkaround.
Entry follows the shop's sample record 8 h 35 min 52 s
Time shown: 7 h 48 min 36 s
